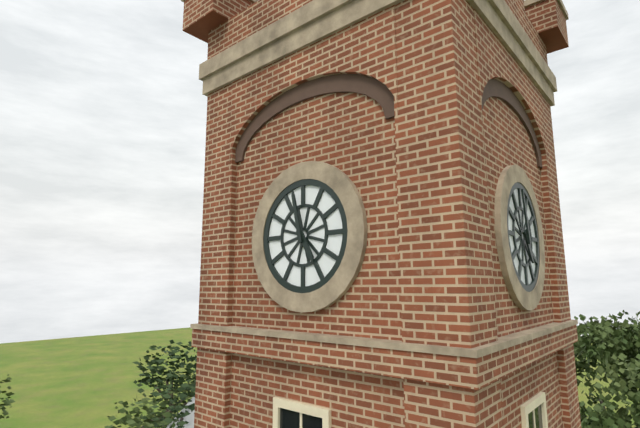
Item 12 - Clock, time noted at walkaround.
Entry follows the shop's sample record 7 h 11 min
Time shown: 4 h 58 min
